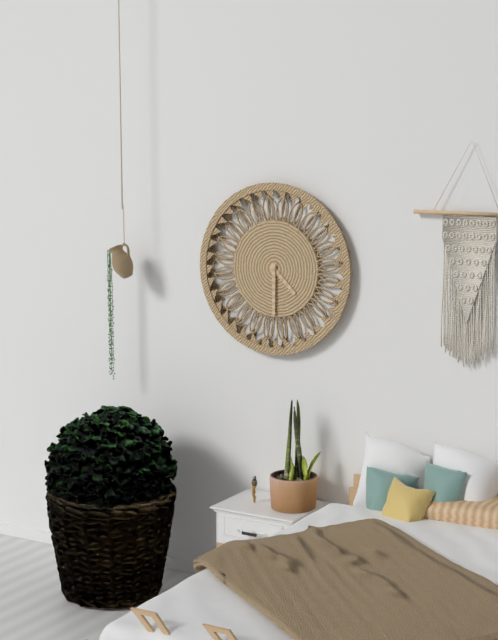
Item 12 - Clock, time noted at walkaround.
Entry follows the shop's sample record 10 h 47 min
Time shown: 4 h 30 min
